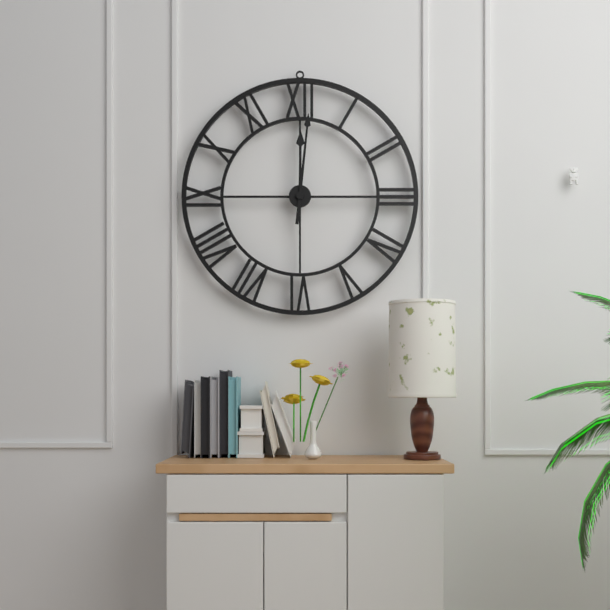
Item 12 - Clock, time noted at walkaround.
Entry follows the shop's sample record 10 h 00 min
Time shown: 12 h 01 min
